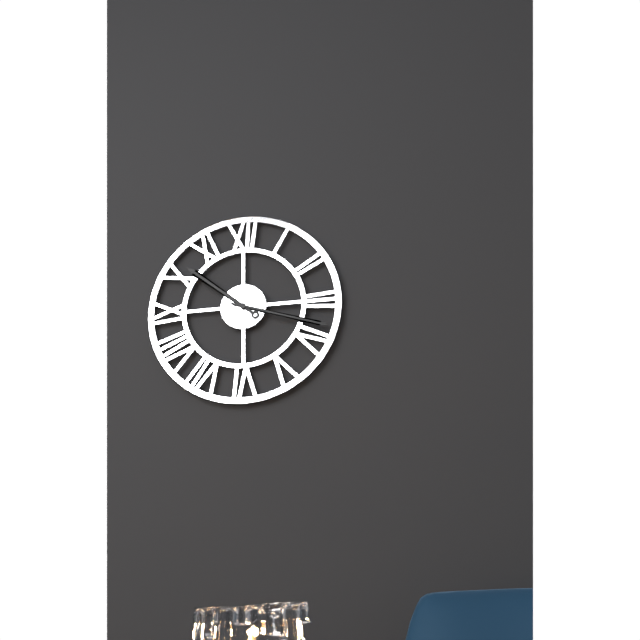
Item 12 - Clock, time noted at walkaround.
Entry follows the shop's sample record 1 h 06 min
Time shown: 10 h 18 min
